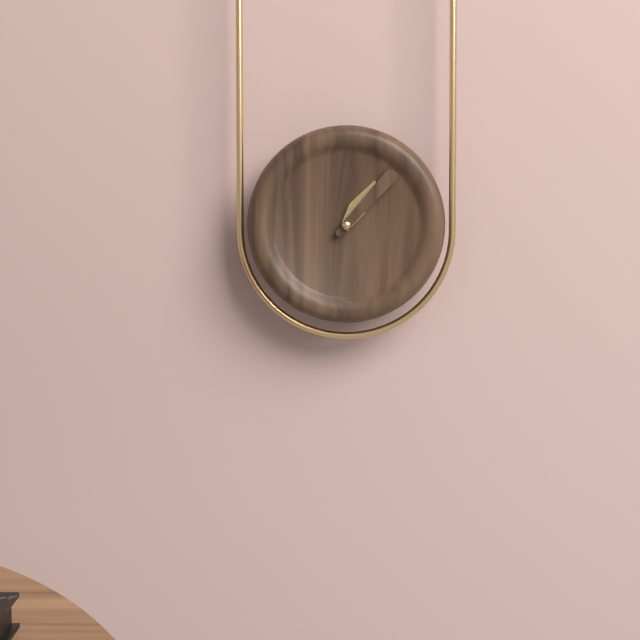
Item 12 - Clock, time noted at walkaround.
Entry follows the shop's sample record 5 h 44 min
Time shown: 1 h 07 min
